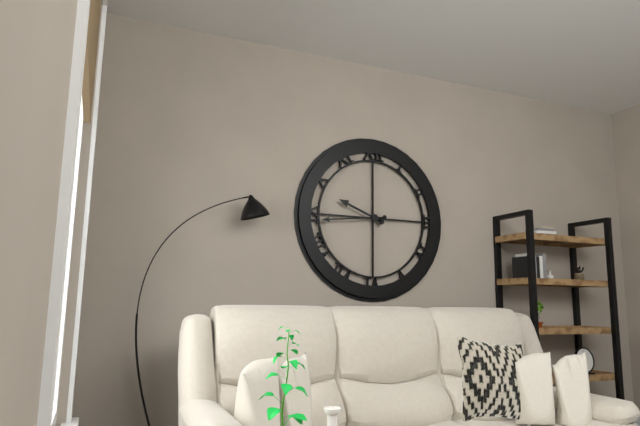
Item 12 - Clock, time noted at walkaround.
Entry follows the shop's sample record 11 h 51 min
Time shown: 9 h 44 min
